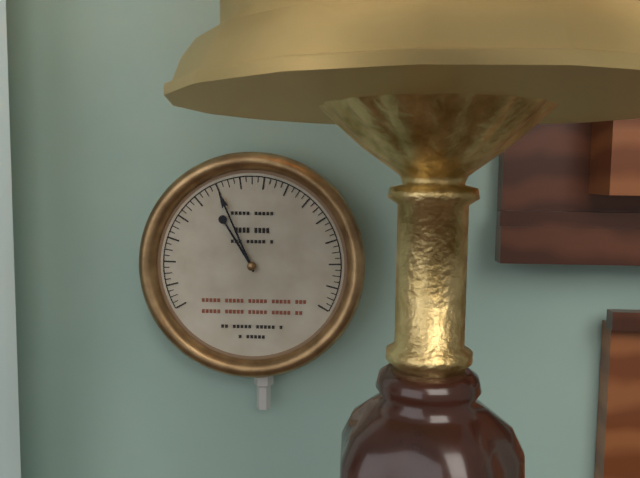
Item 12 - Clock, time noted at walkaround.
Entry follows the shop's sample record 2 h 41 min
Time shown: 10 h 56 min
